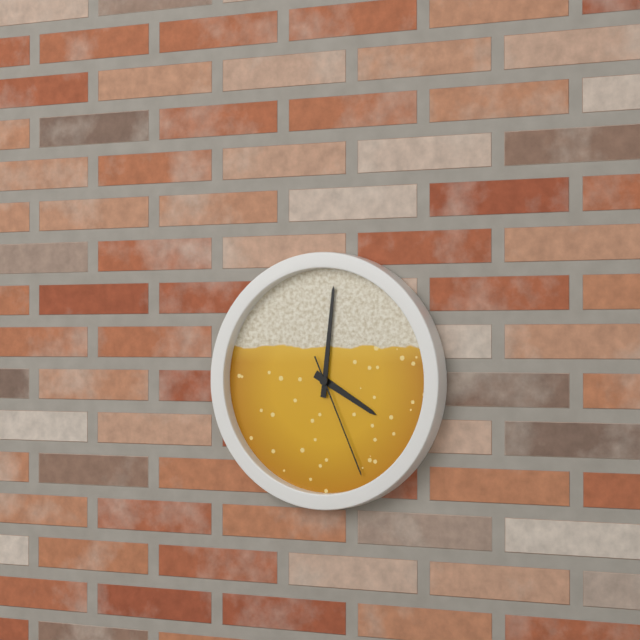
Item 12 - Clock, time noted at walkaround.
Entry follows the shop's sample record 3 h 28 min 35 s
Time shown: 4 h 01 min 26 s
